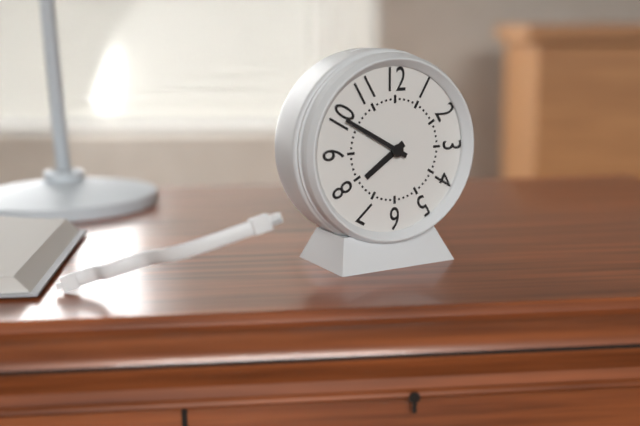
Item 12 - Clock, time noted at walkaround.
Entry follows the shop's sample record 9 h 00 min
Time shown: 7 h 50 min
